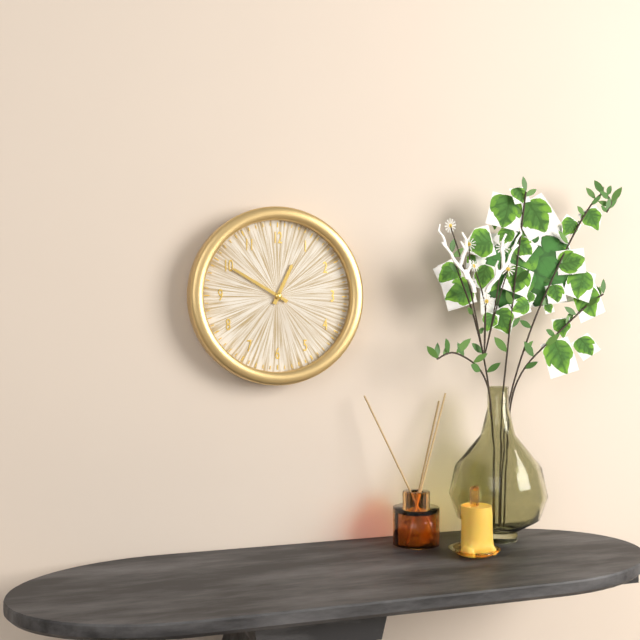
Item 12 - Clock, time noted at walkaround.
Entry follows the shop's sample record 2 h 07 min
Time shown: 12 h 50 min
